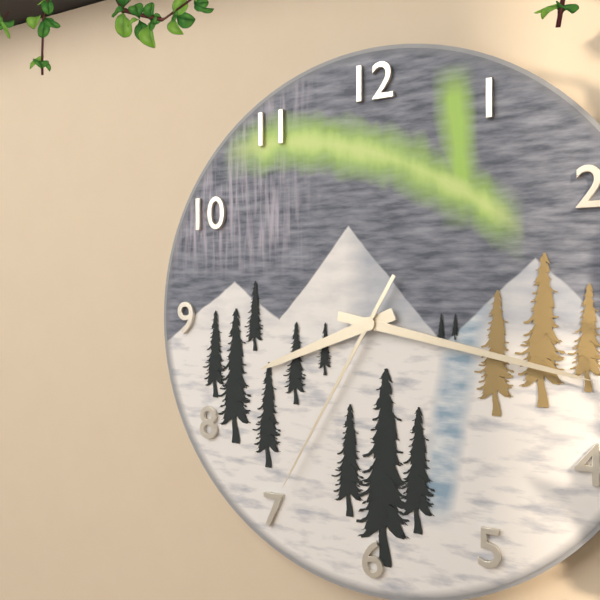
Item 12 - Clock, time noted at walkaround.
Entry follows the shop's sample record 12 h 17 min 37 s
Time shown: 8 h 17 min 35 s
